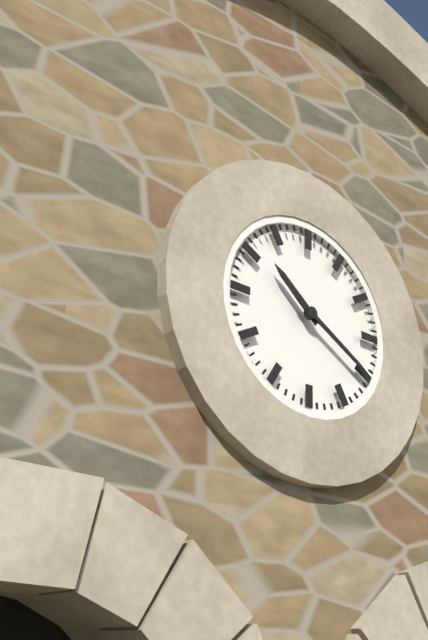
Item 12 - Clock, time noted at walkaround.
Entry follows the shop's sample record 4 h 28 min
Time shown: 10 h 20 min
